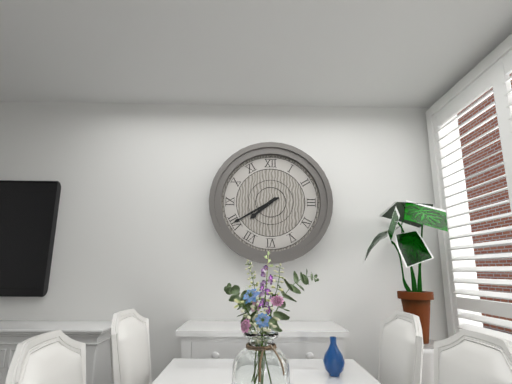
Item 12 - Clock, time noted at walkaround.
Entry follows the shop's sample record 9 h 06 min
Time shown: 7 h 40 min
